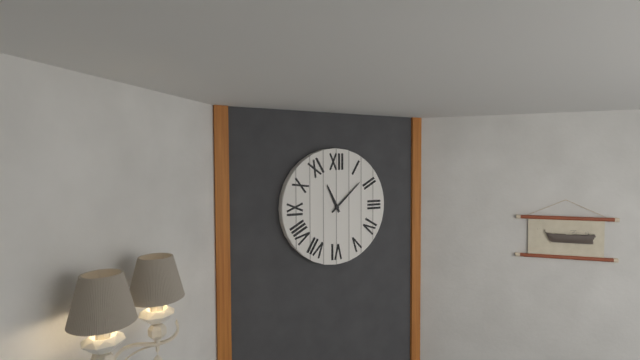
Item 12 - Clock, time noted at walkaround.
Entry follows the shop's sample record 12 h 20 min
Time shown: 11 h 08 min
